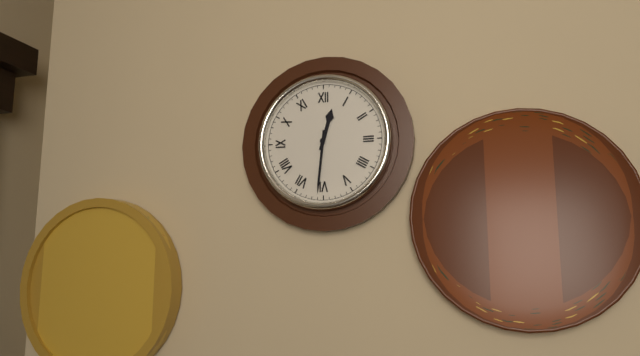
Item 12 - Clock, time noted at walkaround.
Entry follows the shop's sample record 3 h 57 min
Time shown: 12 h 31 min
